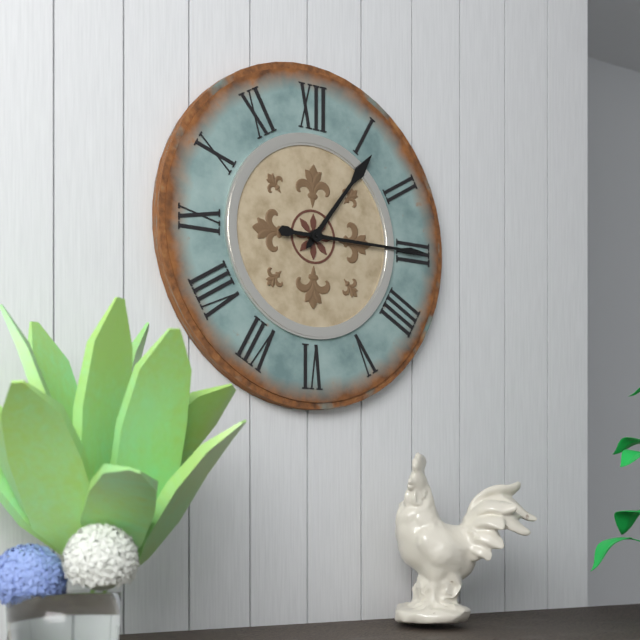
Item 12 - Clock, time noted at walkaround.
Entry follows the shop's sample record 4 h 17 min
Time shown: 1 h 15 min
